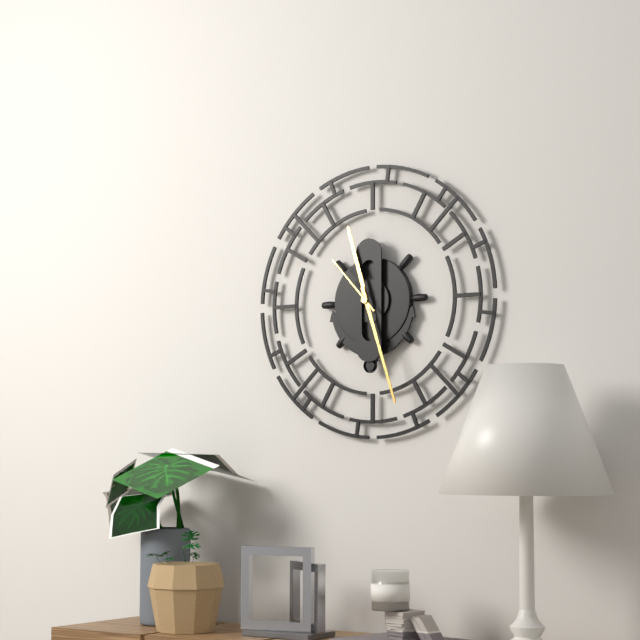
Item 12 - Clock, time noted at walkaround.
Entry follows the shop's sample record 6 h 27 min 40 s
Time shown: 11 h 27 min 53 s
